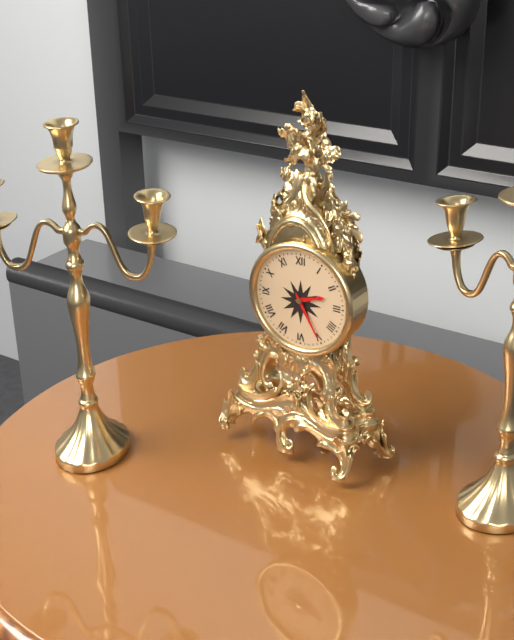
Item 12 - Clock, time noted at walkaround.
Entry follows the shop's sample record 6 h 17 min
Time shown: 2 h 25 min
